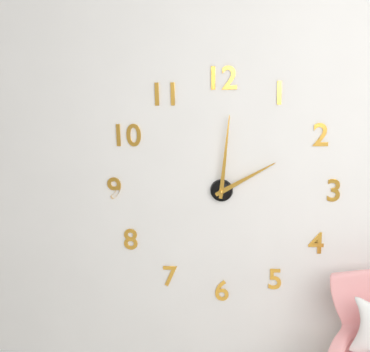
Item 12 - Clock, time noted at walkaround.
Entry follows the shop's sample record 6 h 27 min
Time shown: 2 h 01 min
